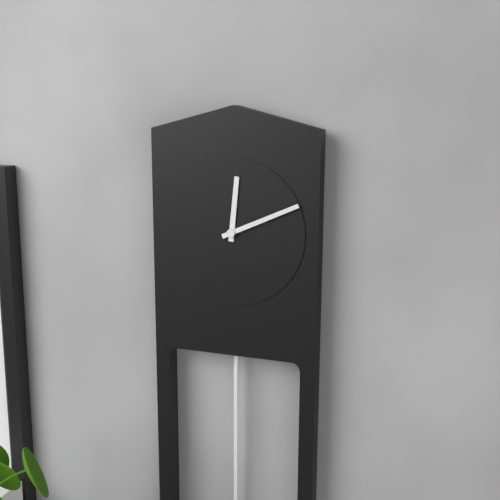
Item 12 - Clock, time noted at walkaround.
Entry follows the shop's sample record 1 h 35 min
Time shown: 12 h 11 min
